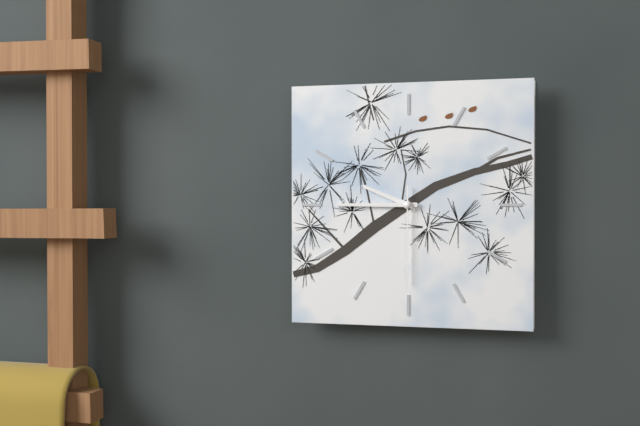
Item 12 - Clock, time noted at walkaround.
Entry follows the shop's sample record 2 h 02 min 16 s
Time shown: 9 h 45 min 30 s
